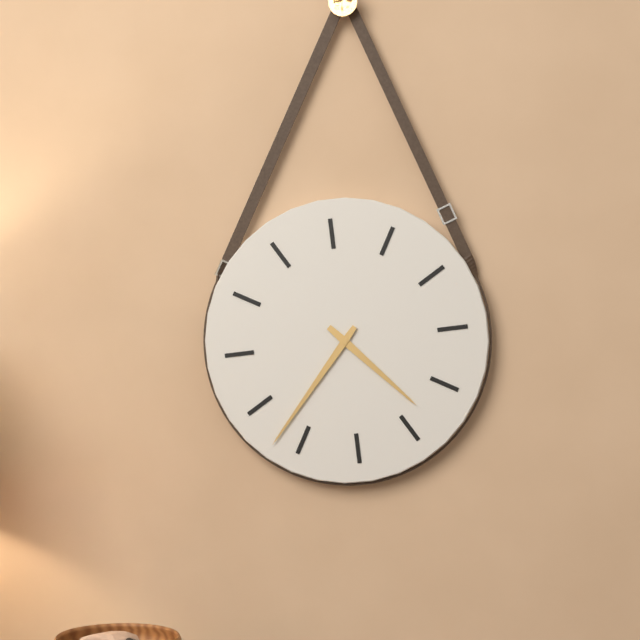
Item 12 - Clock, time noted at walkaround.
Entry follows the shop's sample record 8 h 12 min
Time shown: 4 h 37 min
